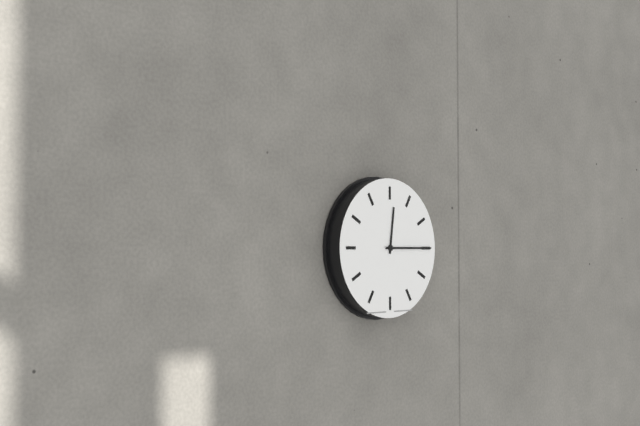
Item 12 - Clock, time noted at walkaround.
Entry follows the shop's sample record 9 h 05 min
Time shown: 12 h 15 min
